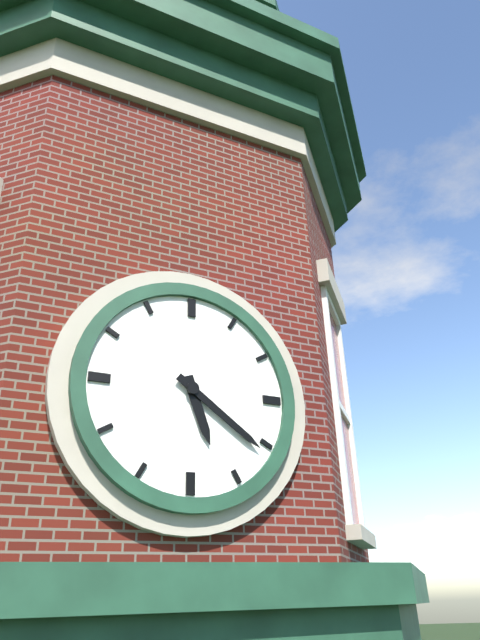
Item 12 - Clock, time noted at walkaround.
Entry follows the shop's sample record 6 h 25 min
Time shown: 5 h 21 min
